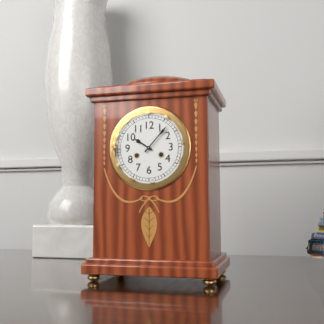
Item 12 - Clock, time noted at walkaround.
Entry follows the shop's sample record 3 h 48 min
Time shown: 10 h 07 min
